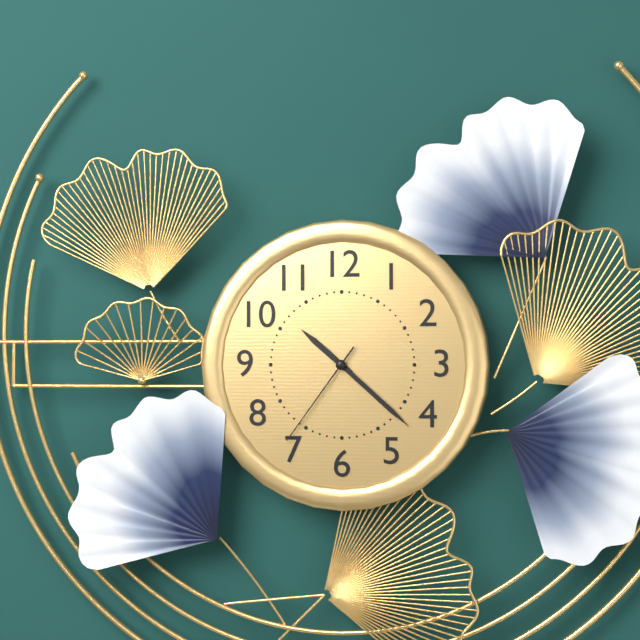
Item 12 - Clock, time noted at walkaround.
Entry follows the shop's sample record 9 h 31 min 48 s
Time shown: 10 h 22 min 36 s
